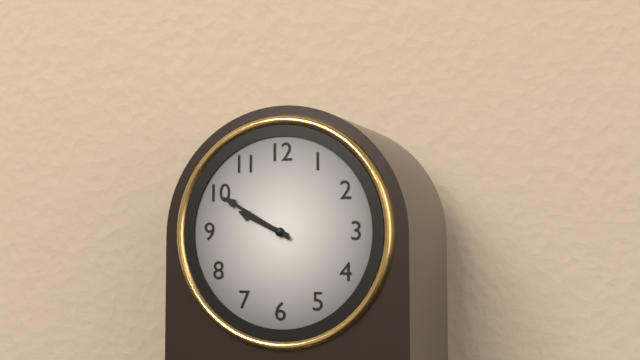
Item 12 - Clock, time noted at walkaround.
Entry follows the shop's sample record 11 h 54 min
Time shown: 9 h 50 min
